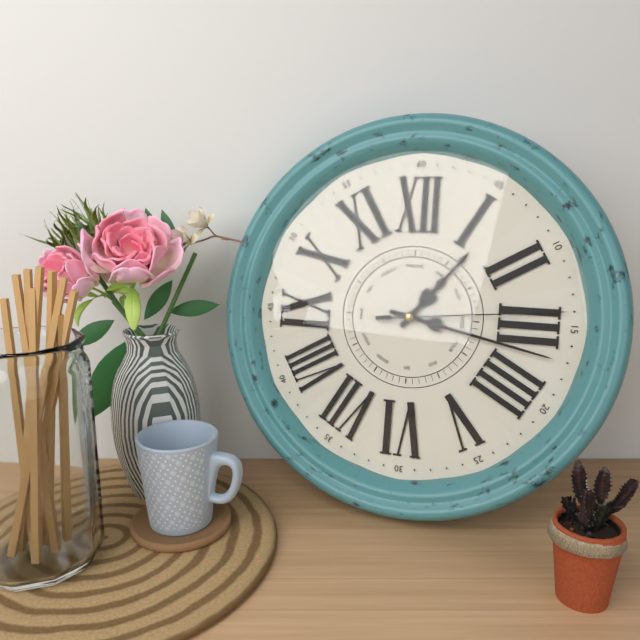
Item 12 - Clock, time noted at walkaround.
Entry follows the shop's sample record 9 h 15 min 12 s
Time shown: 1 h 17 min 14 s
